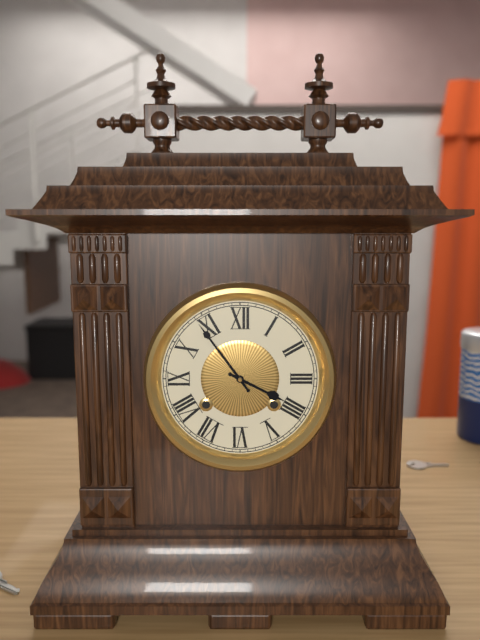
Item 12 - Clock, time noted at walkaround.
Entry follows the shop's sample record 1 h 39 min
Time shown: 3 h 54 min
